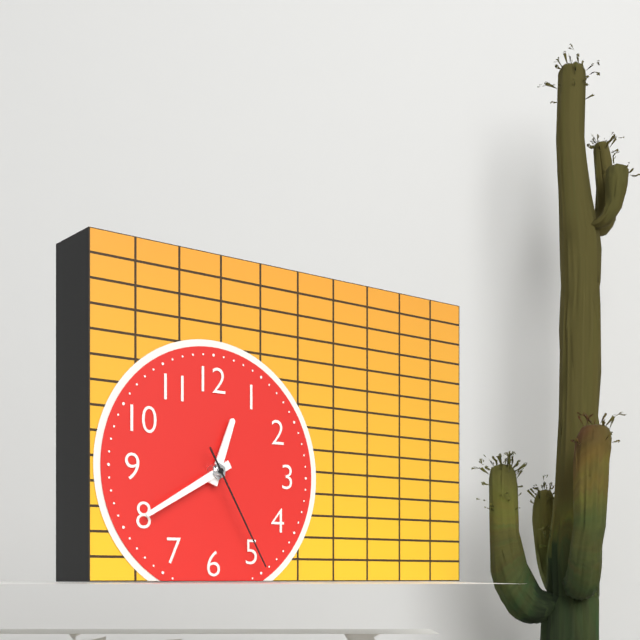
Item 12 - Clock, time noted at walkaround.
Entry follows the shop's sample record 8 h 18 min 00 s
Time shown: 12 h 40 min 25 s
